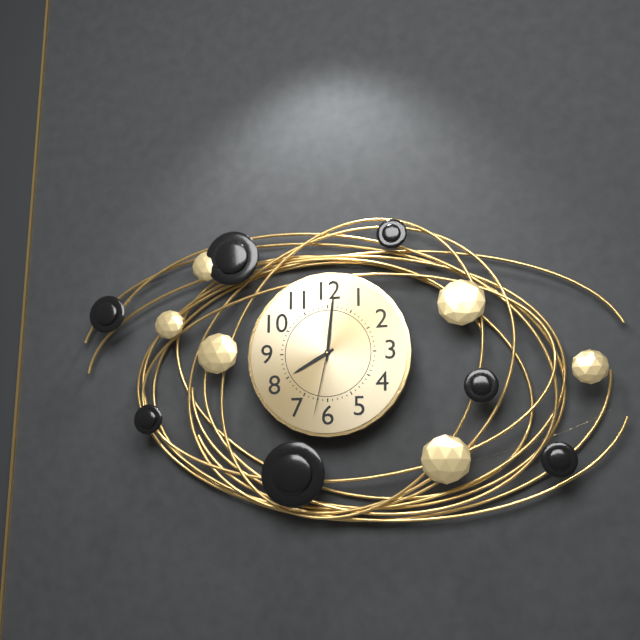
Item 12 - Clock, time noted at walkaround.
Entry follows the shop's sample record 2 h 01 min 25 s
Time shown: 8 h 01 min 32 s
